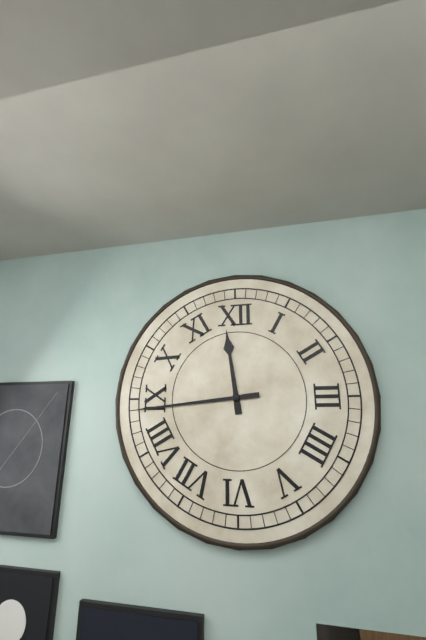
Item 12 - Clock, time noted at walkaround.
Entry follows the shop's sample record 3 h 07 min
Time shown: 11 h 44 min
